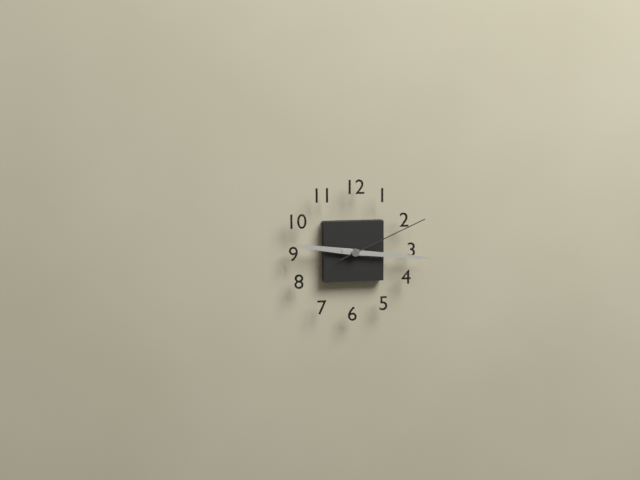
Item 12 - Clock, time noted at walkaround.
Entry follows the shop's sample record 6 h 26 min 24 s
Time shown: 9 h 16 min 11 s
